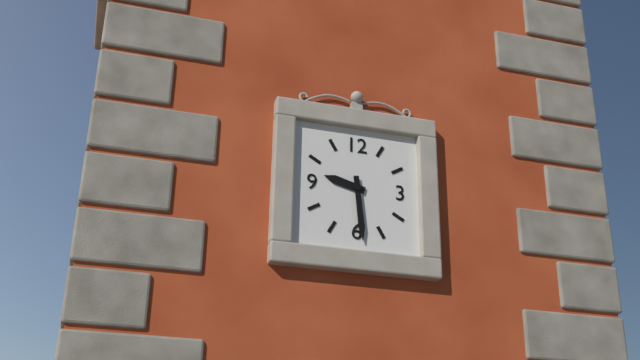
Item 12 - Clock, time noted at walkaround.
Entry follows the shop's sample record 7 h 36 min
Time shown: 9 h 29 min
